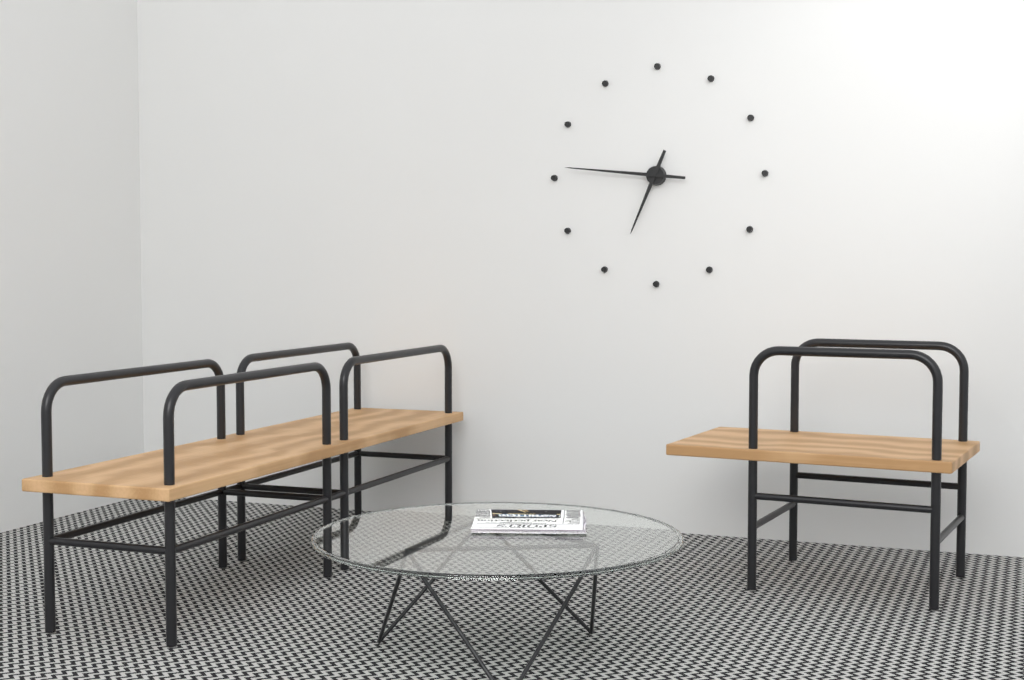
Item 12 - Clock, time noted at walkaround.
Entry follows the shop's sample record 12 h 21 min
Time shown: 6 h 46 min
